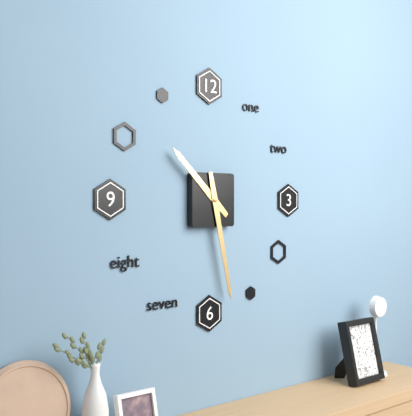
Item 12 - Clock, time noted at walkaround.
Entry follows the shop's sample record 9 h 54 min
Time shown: 10 h 28 min
